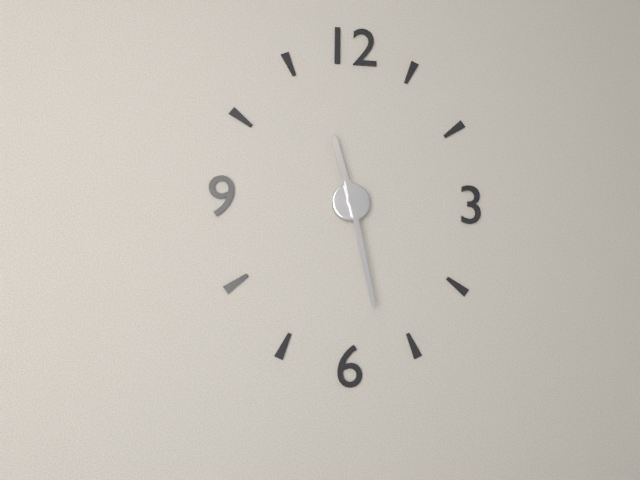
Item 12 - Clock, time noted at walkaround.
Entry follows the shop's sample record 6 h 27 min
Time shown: 11 h 28 min
